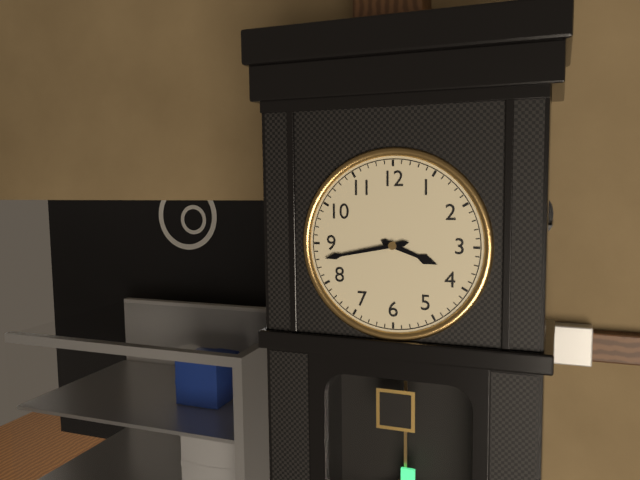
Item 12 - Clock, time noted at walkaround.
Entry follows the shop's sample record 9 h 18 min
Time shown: 3 h 43 min
